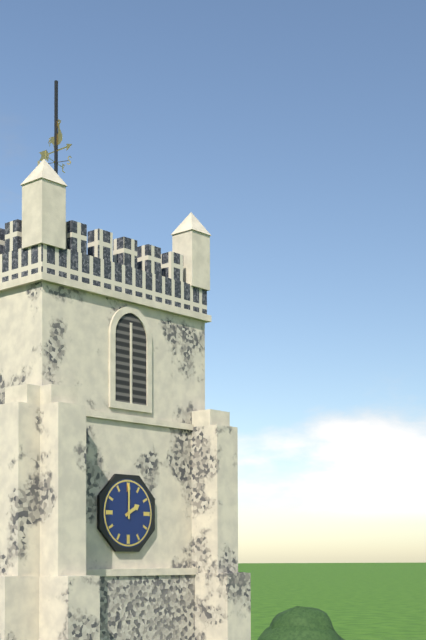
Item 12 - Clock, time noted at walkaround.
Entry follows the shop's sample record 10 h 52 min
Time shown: 2 h 00 min
